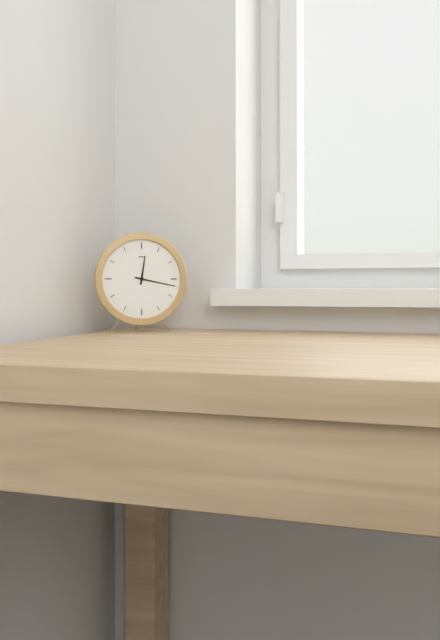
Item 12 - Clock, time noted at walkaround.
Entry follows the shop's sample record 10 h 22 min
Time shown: 12 h 17 min
